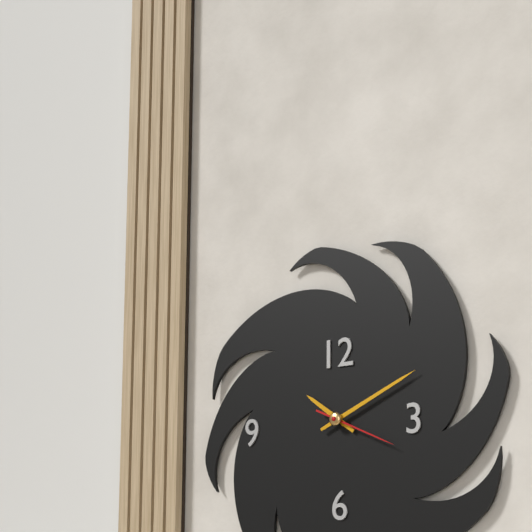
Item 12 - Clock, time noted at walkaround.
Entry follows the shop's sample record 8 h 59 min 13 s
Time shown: 10 h 11 min 19 s
